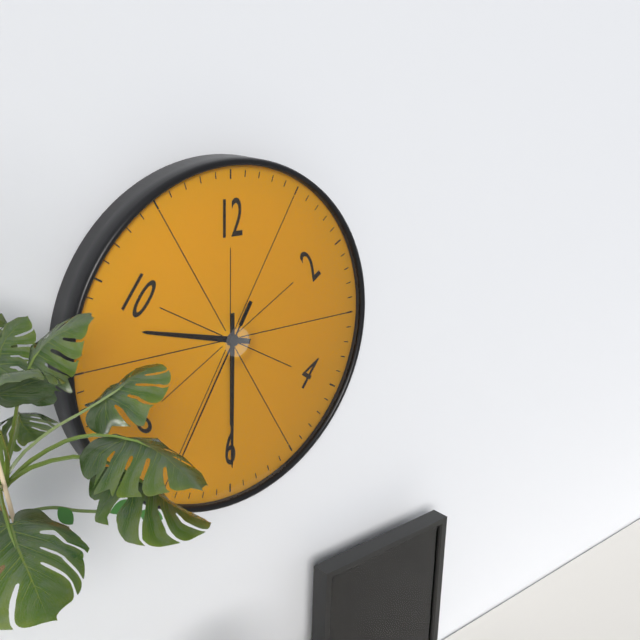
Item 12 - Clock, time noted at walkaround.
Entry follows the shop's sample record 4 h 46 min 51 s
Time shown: 9 h 30 min 35 s
